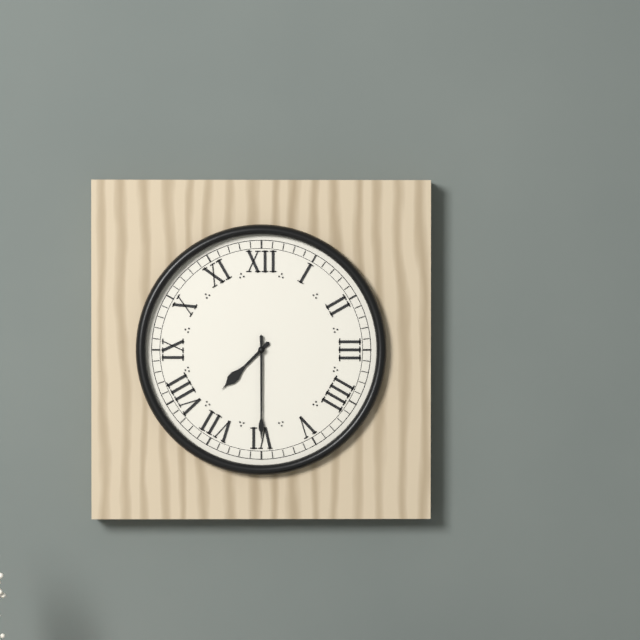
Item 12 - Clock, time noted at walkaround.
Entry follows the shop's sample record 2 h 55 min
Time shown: 7 h 30 min
